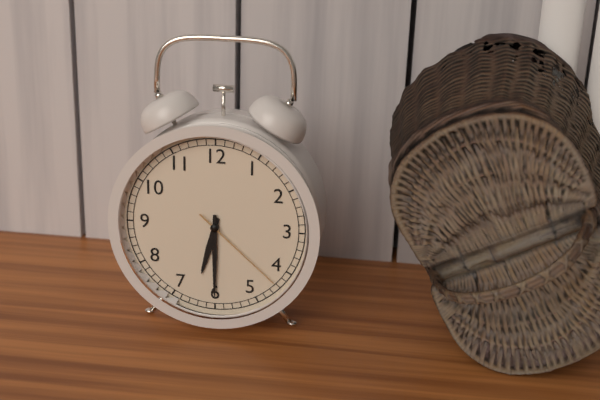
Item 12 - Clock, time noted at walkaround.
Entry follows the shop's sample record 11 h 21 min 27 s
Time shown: 6 h 30 min 22 s
